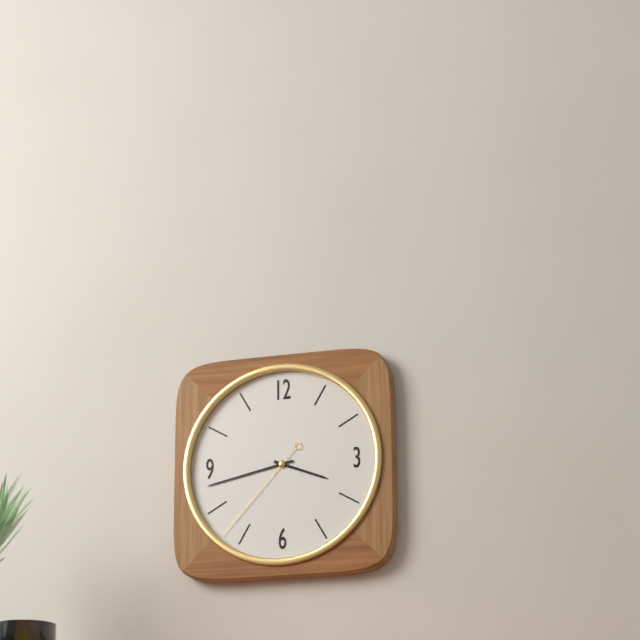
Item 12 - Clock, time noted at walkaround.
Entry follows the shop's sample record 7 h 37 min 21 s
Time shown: 3 h 43 min 37 s
